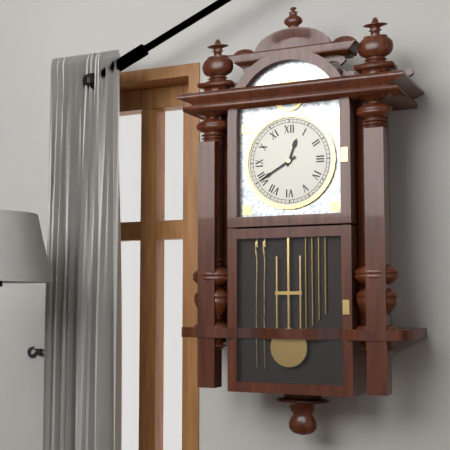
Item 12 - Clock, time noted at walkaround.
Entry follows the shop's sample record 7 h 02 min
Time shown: 12 h 40 min
